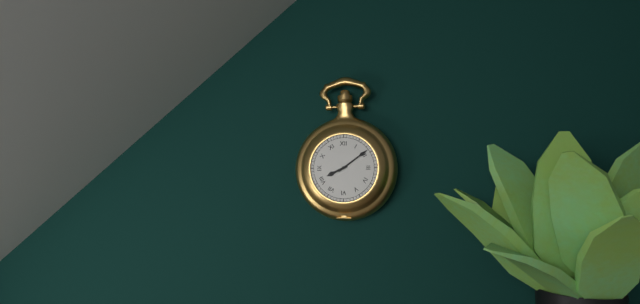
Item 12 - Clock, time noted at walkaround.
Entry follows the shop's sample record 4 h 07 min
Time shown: 8 h 09 min
